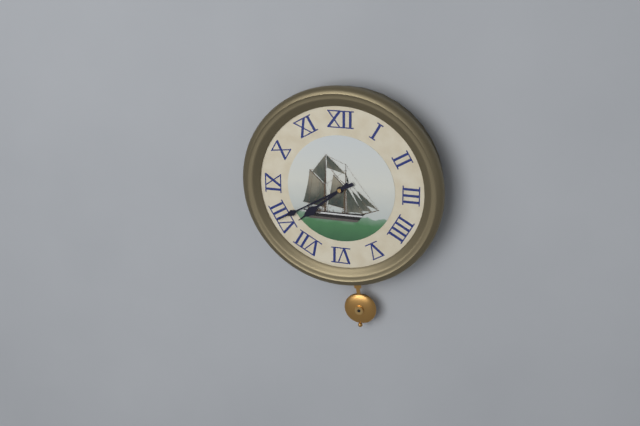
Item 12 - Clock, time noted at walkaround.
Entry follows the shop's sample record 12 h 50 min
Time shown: 7 h 40 min
